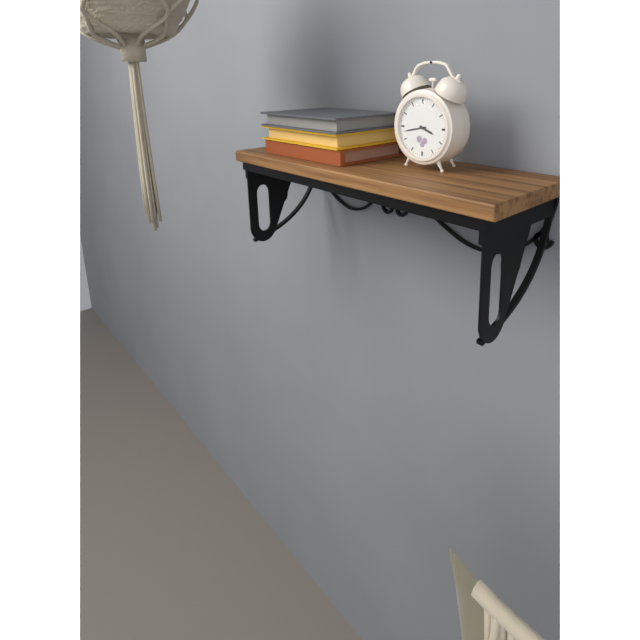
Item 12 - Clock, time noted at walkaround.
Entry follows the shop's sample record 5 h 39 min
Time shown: 3 h 43 min
